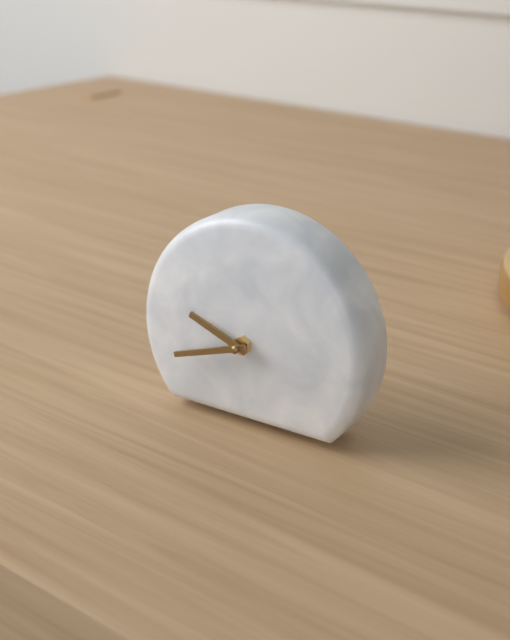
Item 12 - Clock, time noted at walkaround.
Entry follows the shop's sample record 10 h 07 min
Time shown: 9 h 42 min
